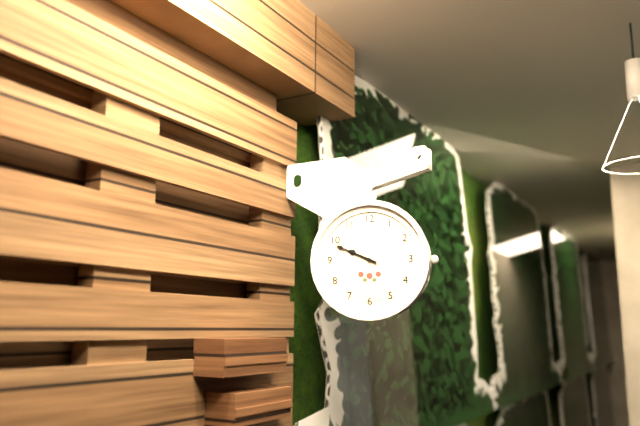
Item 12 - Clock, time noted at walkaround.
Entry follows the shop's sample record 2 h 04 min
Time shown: 9 h 49 min
